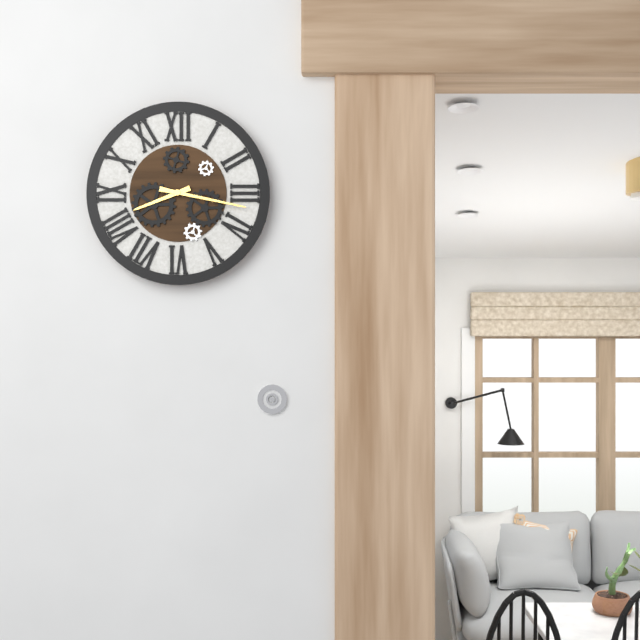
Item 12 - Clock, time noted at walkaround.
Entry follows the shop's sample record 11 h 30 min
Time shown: 8 h 17 min
